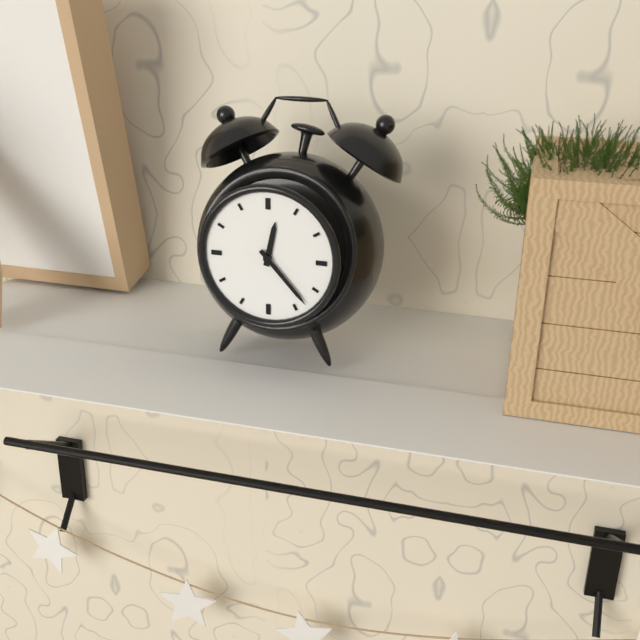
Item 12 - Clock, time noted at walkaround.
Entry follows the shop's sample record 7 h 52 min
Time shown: 12 h 23 min
